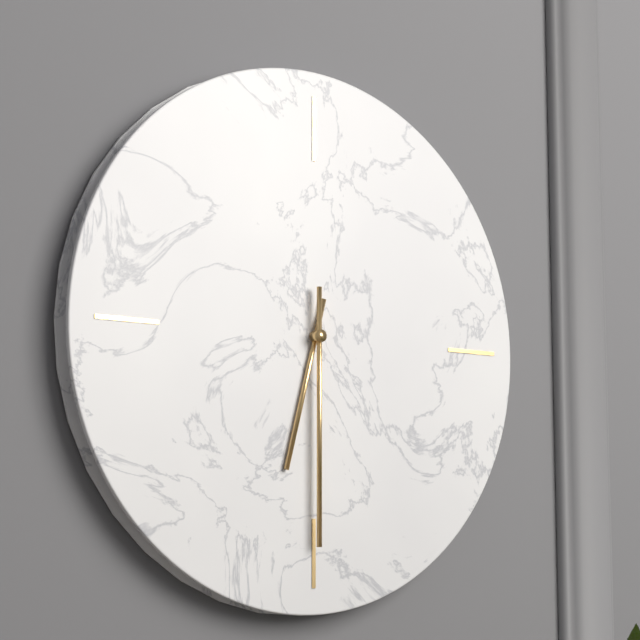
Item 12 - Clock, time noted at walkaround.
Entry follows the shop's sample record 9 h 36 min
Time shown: 6 h 30 min
